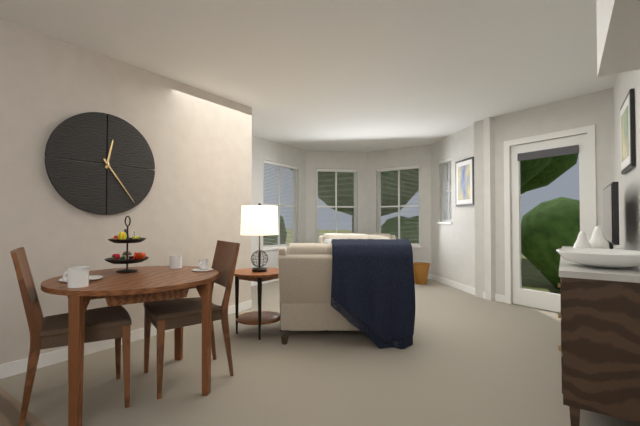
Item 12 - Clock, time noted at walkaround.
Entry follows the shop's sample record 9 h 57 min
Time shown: 12 h 24 min
